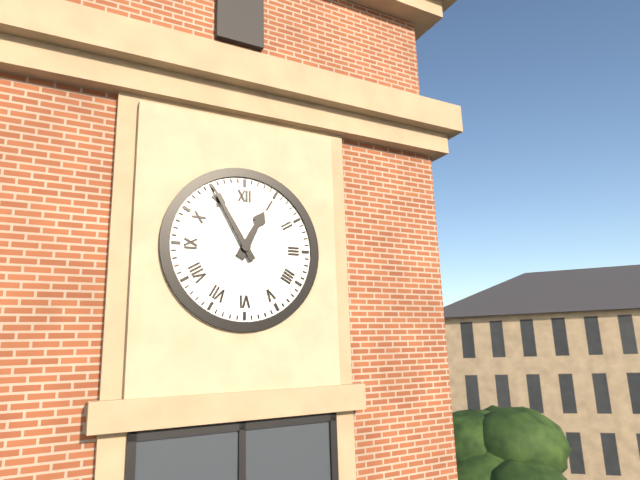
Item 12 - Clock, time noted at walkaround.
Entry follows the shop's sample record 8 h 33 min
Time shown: 12 h 55 min
